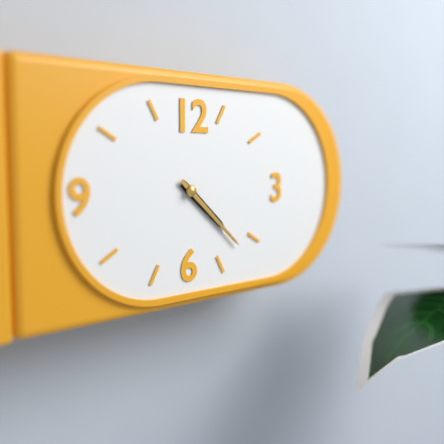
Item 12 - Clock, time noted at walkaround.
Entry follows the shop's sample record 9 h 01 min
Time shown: 4 h 22 min
